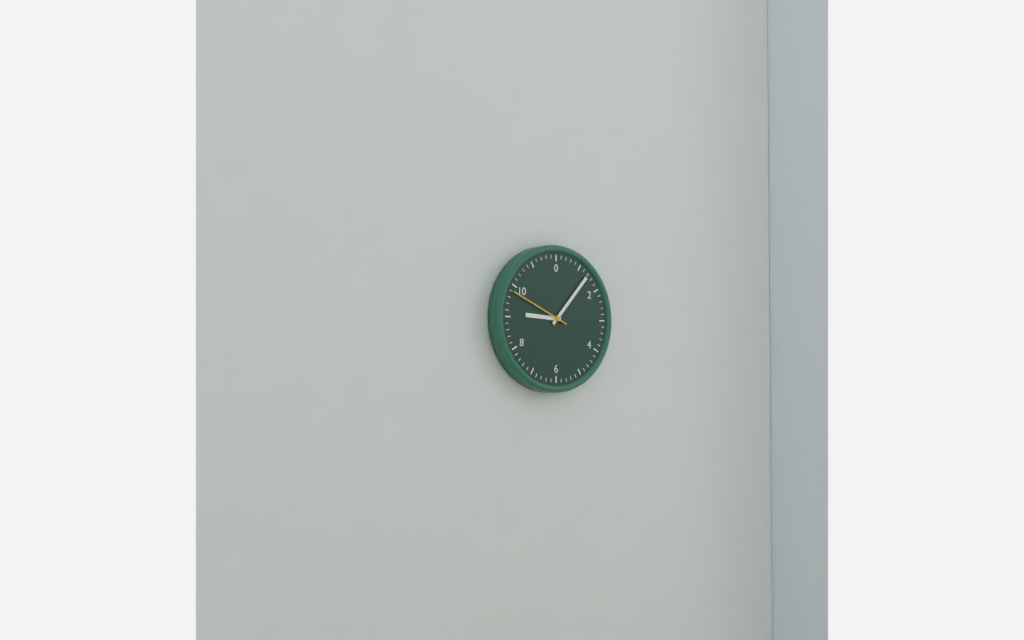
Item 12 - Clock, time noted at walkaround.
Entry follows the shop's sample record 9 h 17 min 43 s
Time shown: 9 h 07 min 49 s
